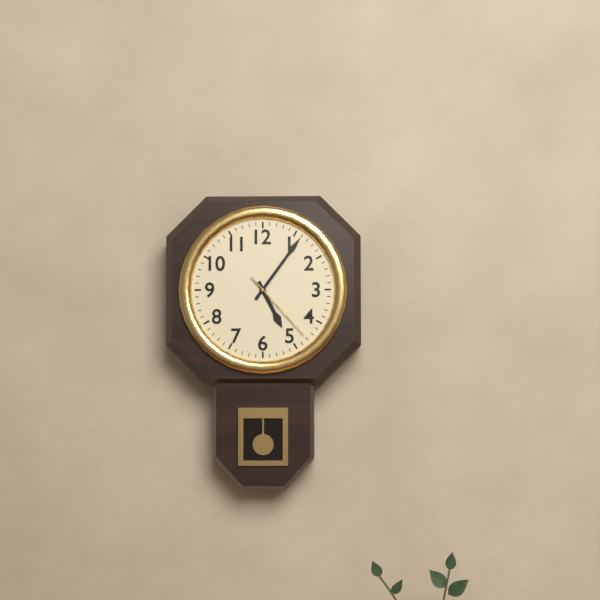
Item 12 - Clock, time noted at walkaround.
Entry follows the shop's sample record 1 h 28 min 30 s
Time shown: 5 h 06 min 23 s
